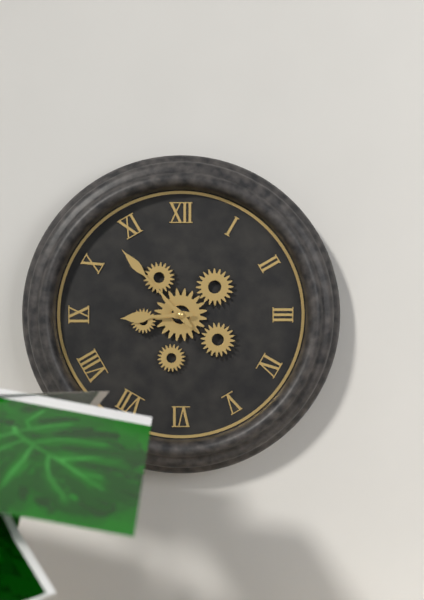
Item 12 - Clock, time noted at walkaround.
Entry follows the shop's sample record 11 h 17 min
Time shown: 8 h 53 min
